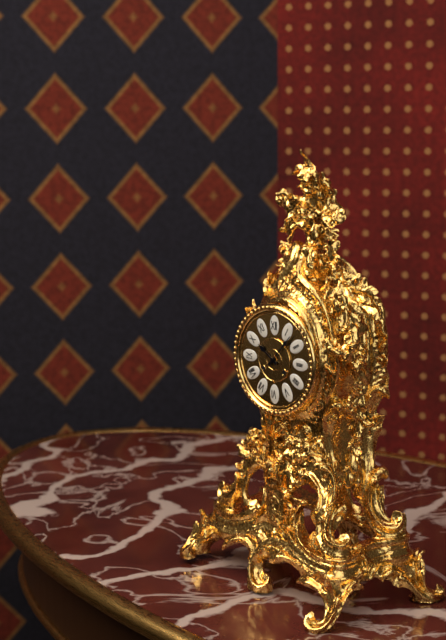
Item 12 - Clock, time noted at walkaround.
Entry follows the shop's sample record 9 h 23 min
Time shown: 10 h 07 min
